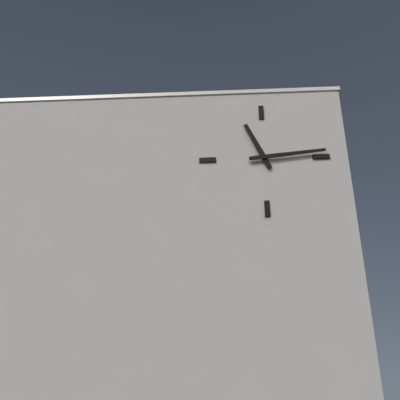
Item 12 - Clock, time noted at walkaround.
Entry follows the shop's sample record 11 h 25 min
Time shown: 11 h 14 min
